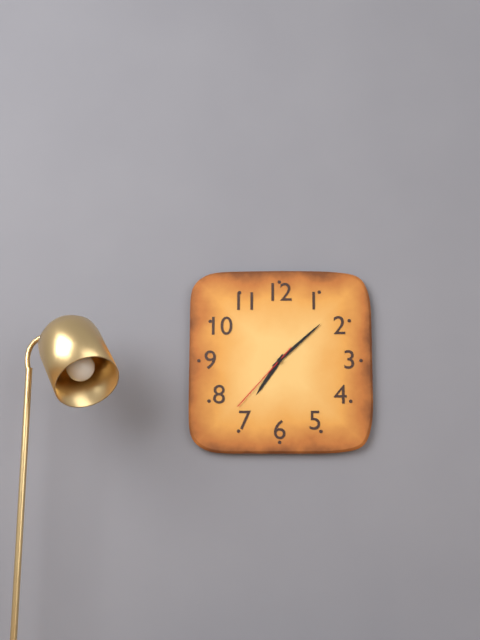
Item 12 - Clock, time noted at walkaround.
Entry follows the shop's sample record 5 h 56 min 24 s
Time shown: 7 h 08 min 37 s
